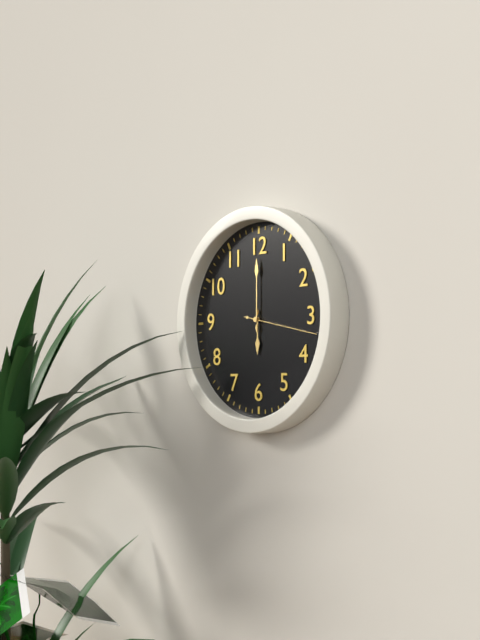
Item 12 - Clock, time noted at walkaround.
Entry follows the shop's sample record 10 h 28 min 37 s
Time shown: 6 h 00 min 17 s
